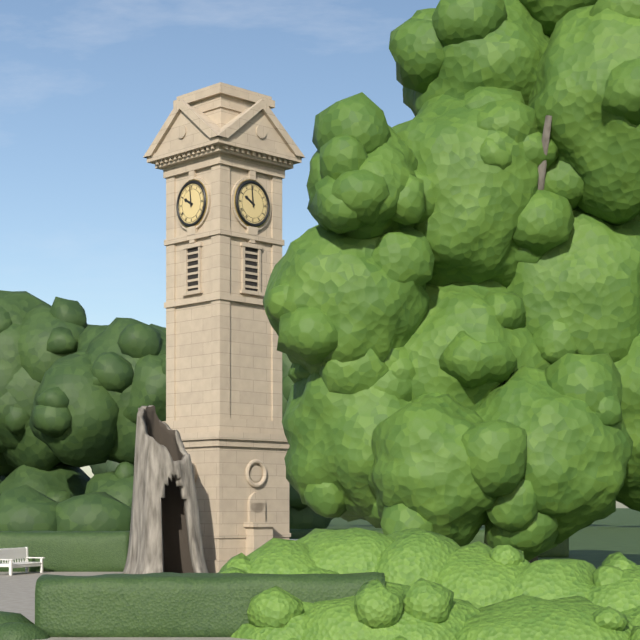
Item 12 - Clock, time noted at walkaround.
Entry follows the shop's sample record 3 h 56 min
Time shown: 9 h 59 min
